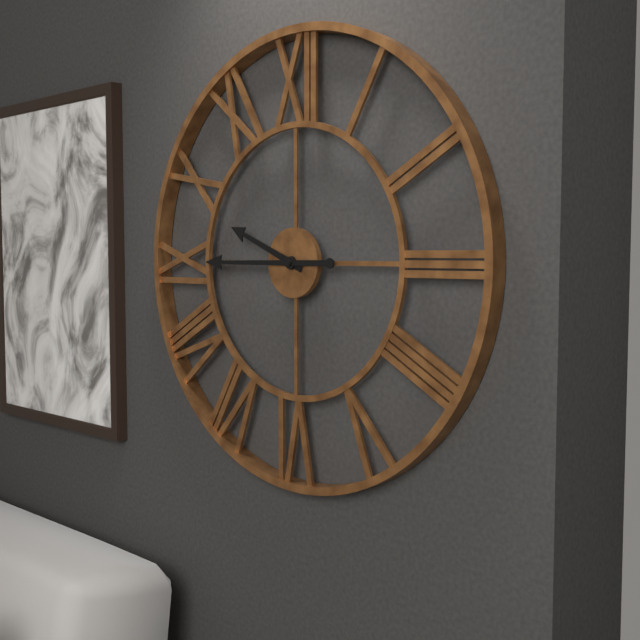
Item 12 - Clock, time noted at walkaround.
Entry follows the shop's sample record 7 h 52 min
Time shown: 9 h 45 min
